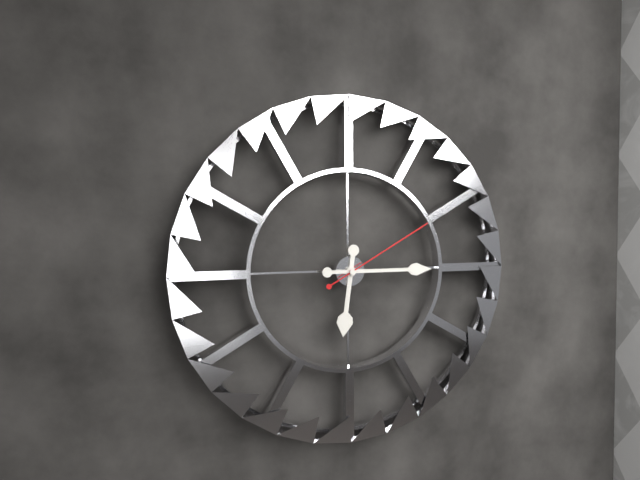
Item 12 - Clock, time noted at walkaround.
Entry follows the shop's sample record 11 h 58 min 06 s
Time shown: 6 h 15 min 10 s
